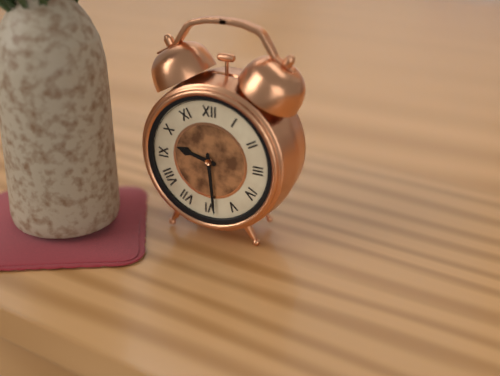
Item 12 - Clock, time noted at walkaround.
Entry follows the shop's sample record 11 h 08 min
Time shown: 9 h 29 min
